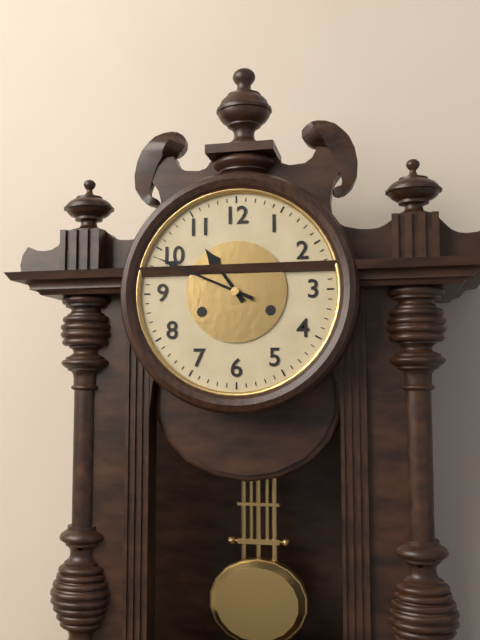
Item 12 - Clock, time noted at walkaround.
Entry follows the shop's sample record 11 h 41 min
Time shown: 10 h 49 min
